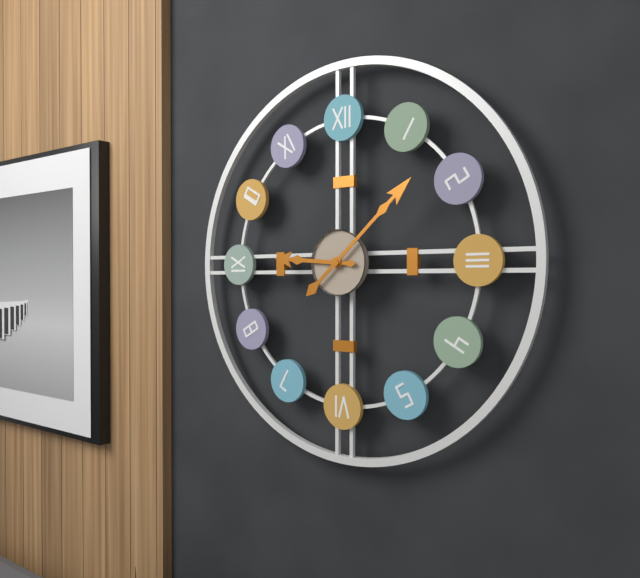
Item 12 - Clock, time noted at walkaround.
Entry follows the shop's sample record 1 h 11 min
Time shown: 9 h 08 min
